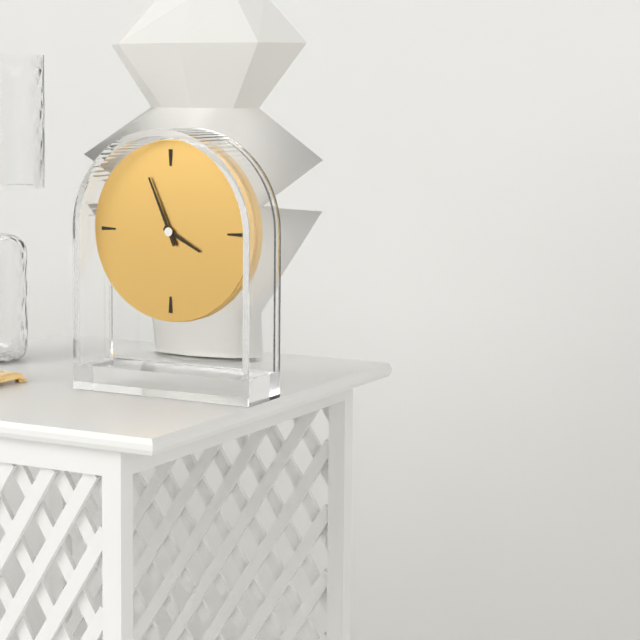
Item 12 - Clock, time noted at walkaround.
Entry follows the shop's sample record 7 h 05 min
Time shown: 3 h 56 min
